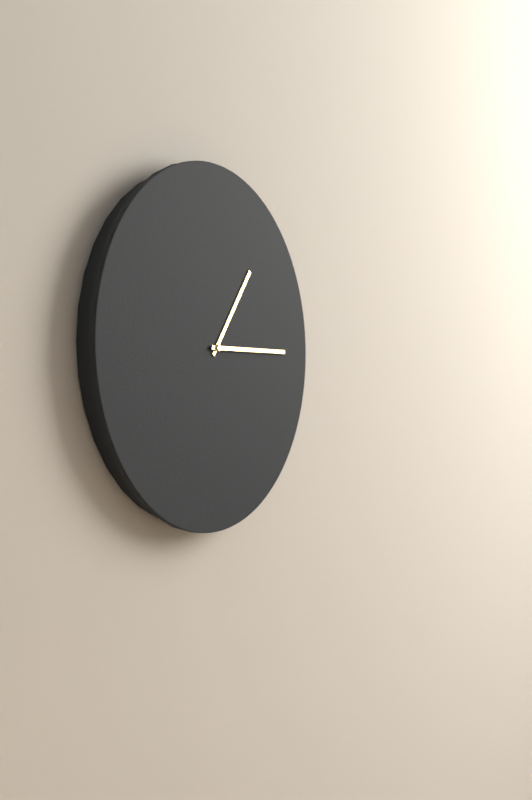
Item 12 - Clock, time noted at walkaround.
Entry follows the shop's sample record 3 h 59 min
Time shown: 1 h 15 min
